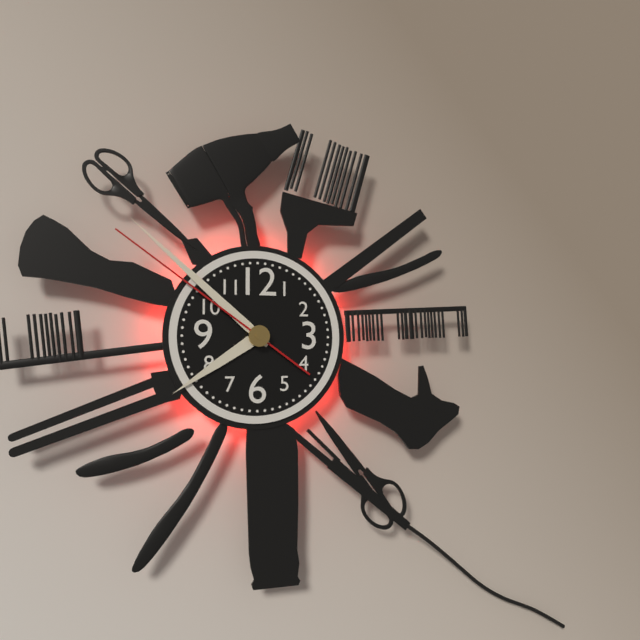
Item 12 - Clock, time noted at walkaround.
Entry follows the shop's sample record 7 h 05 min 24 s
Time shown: 7 h 52 min 51 s
